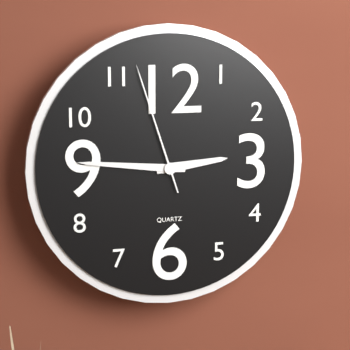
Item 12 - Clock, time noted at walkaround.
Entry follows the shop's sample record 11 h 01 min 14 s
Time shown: 2 h 46 min 57 s
